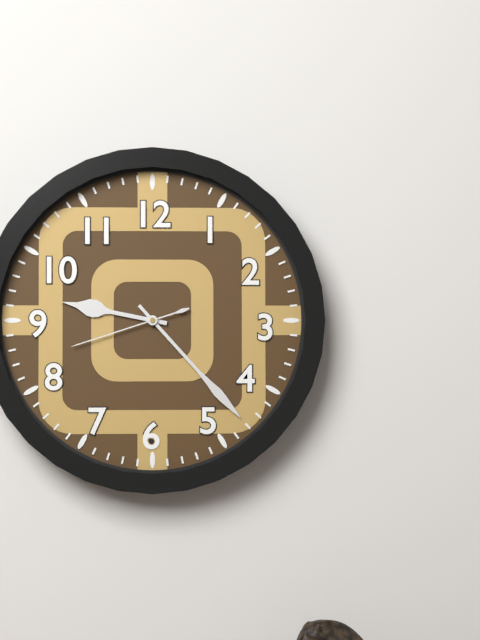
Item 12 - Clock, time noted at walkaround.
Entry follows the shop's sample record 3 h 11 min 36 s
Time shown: 9 h 23 min 42 s
